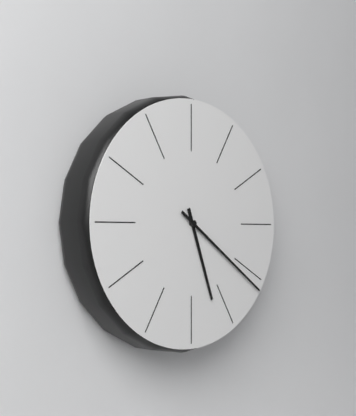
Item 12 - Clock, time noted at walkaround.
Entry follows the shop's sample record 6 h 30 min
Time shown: 5 h 21 min
